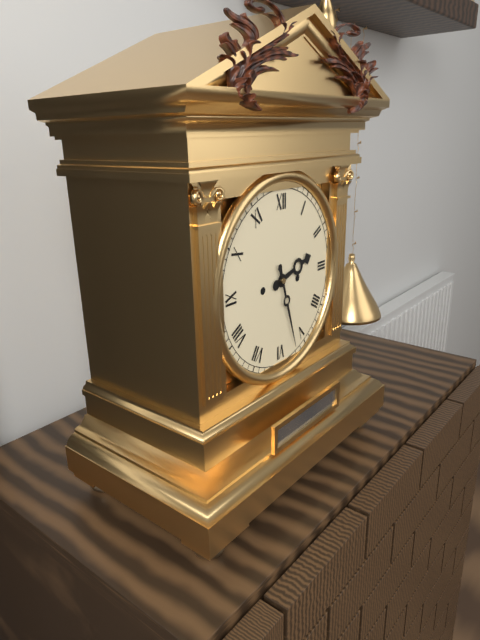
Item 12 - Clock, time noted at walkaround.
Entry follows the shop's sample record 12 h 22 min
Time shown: 2 h 27 min
